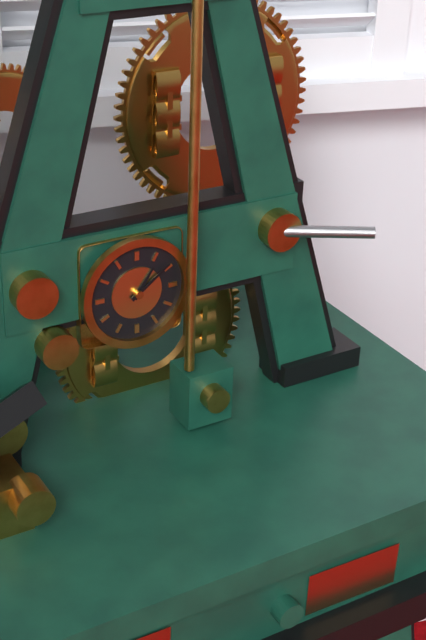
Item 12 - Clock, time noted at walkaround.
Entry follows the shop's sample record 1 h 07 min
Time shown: 1 h 09 min
